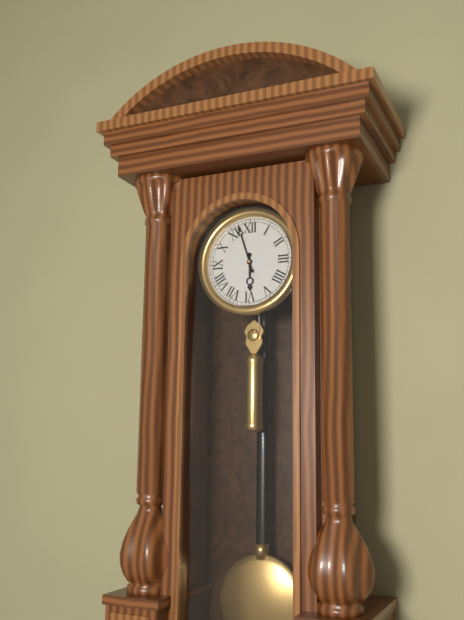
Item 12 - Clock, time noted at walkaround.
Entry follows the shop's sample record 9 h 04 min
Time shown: 5 h 57 min
